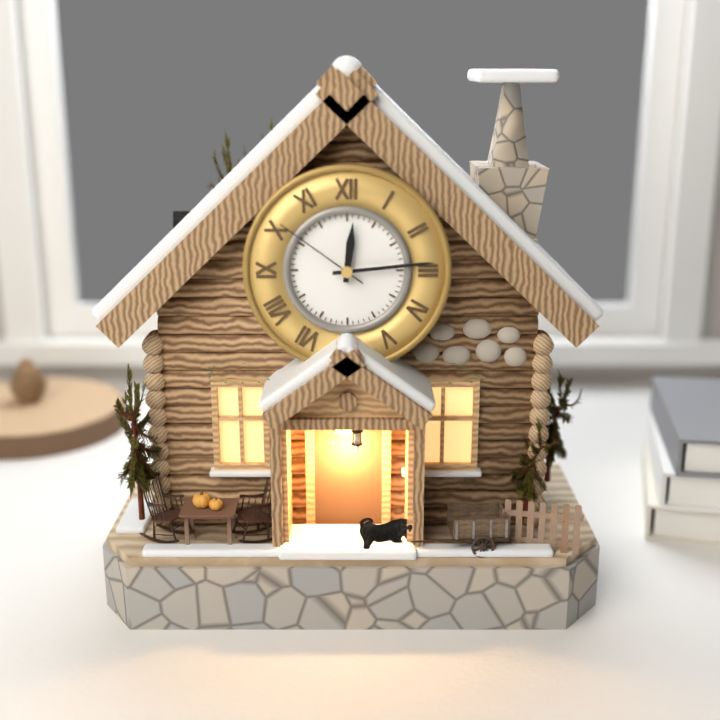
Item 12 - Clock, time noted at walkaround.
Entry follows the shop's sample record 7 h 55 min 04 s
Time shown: 12 h 14 min 51 s
